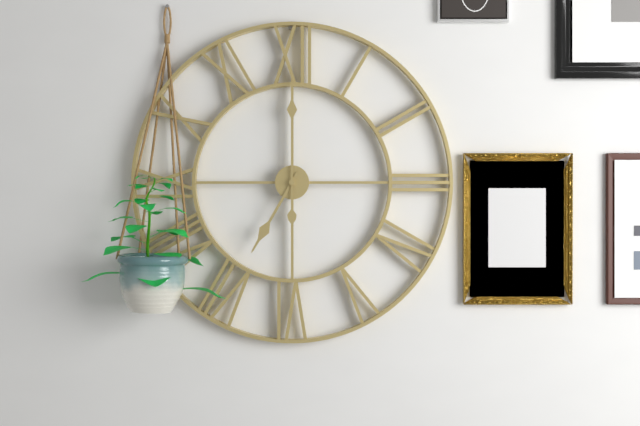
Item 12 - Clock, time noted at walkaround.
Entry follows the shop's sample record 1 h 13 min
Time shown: 7 h 00 min
